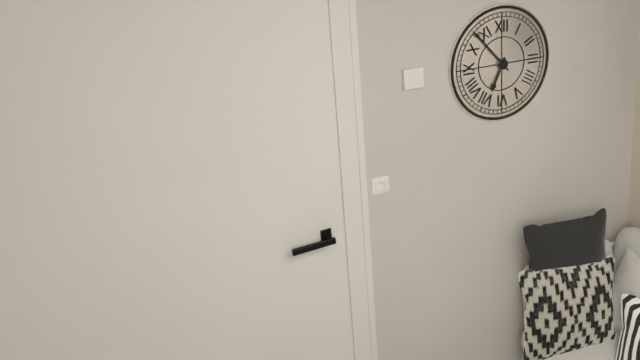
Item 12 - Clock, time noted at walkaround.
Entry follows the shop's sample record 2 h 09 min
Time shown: 6 h 53 min
